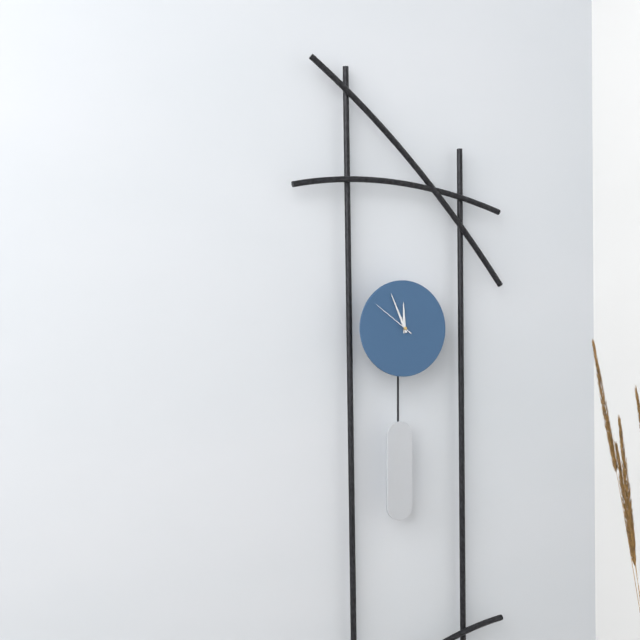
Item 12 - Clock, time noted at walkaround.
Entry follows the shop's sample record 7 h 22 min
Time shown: 11 h 56 min
